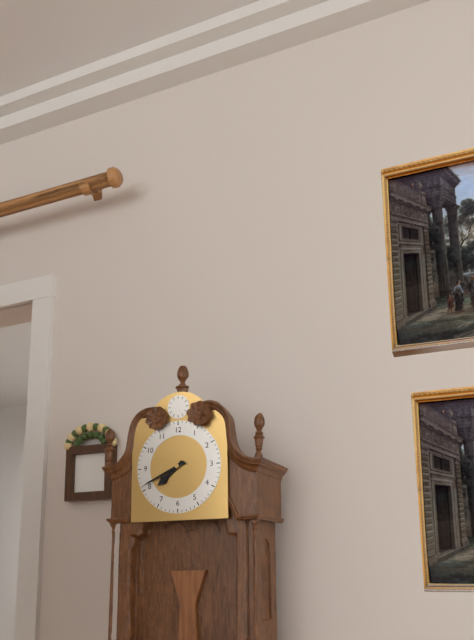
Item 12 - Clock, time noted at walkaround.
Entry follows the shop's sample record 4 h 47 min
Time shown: 7 h 41 min
